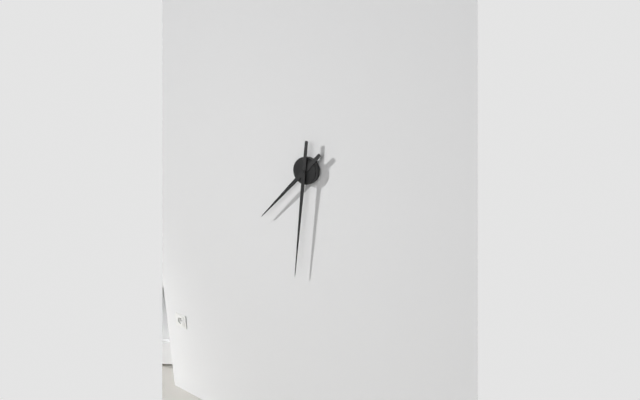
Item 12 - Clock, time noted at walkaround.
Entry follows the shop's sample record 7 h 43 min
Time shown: 7 h 31 min
